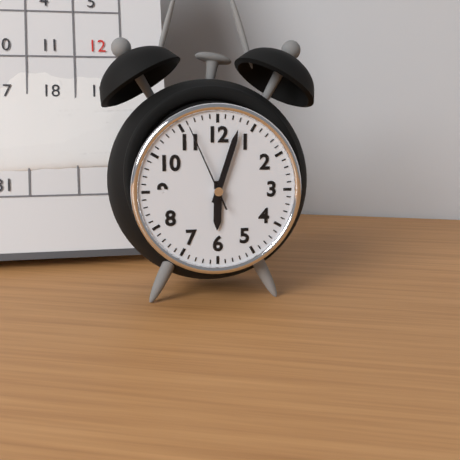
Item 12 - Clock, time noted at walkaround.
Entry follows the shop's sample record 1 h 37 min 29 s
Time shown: 6 h 03 min 56 s
